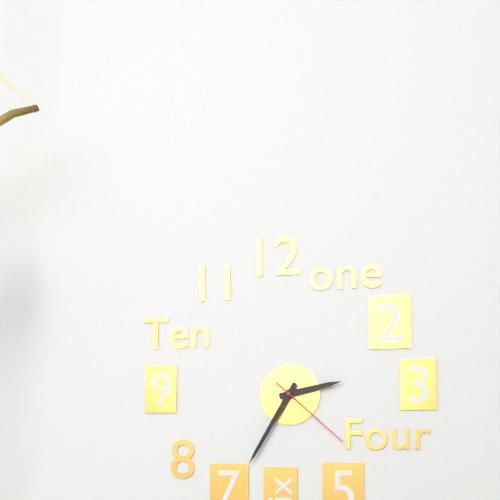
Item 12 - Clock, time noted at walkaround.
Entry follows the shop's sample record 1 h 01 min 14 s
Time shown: 2 h 35 min 22 s
